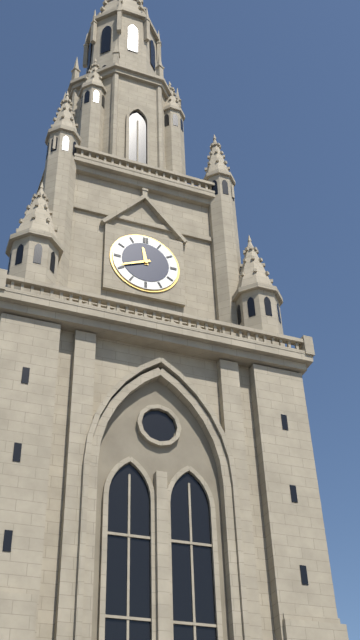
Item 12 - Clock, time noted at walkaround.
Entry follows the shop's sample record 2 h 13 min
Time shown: 11 h 41 min
